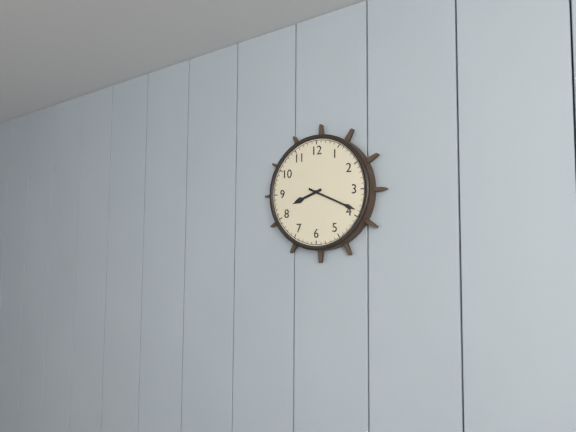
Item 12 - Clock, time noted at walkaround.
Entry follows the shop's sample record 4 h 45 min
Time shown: 8 h 19 min
